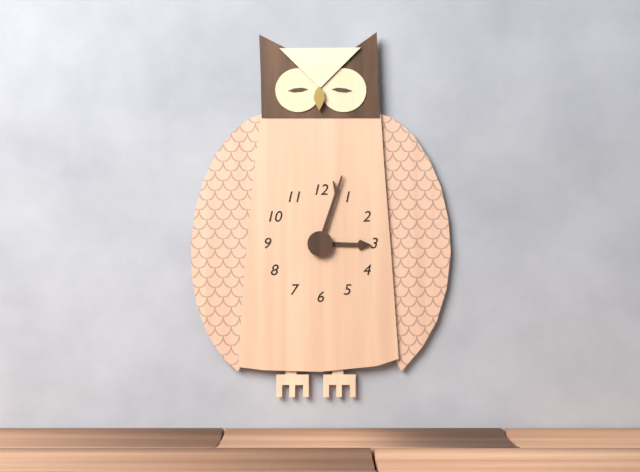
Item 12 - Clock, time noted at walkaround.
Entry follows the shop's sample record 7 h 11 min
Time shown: 3 h 03 min
